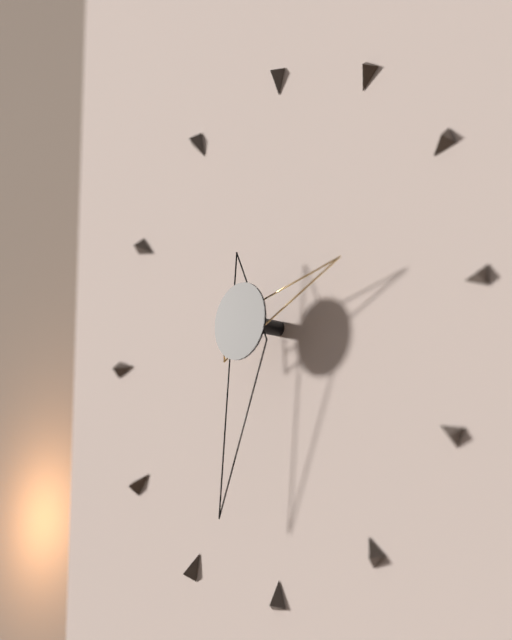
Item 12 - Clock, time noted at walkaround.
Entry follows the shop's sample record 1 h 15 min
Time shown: 2 h 32 min
